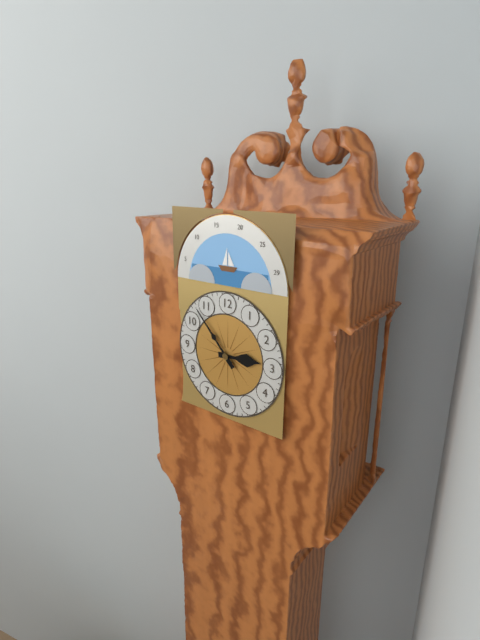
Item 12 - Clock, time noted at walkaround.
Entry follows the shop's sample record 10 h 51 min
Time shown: 2 h 53 min
